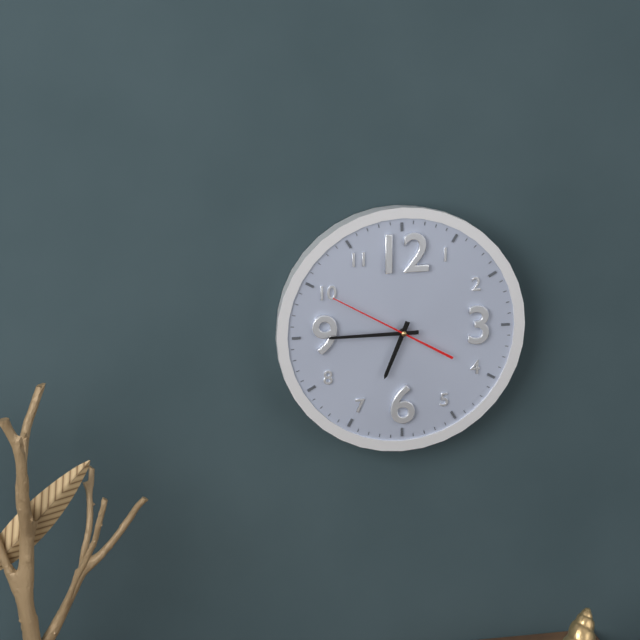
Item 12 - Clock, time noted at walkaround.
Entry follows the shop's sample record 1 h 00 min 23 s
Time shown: 6 h 45 min 50 s
